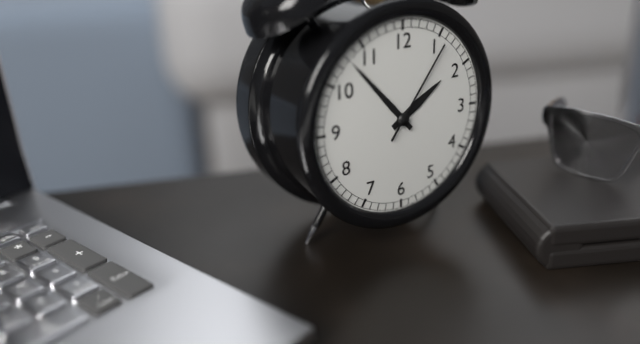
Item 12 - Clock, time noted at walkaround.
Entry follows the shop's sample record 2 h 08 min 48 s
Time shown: 1 h 53 min 06 s
